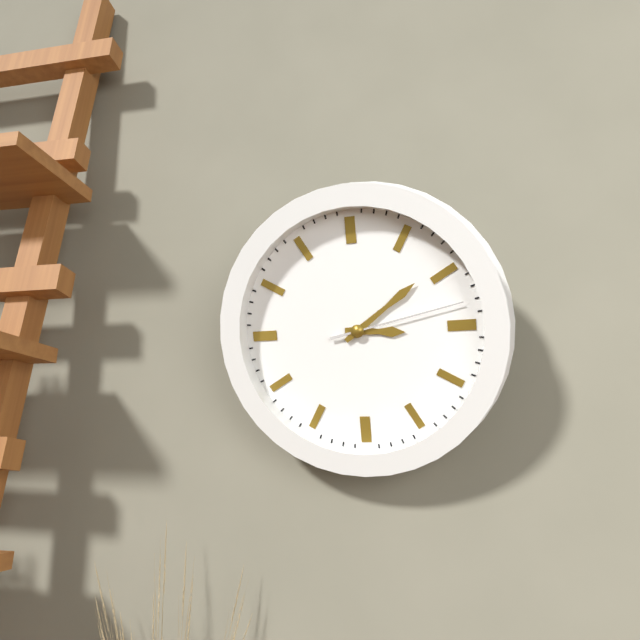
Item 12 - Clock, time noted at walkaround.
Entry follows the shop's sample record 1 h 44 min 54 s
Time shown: 3 h 09 min 13 s
